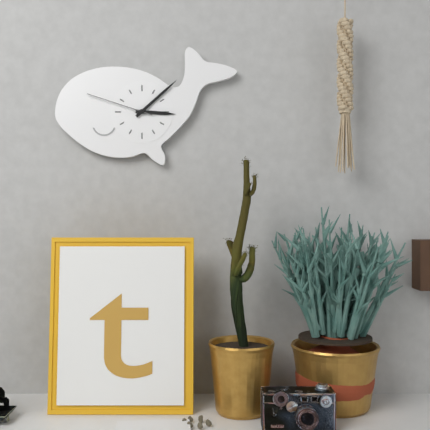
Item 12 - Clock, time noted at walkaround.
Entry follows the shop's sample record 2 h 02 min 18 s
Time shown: 3 h 08 min 48 s
